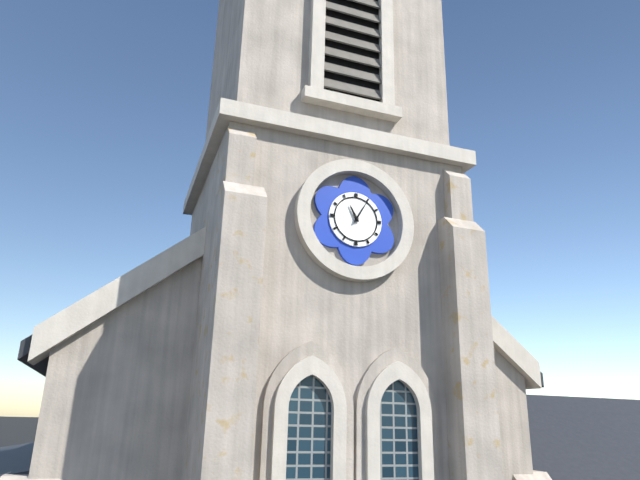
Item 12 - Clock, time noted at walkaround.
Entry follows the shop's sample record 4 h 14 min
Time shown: 11 h 05 min
